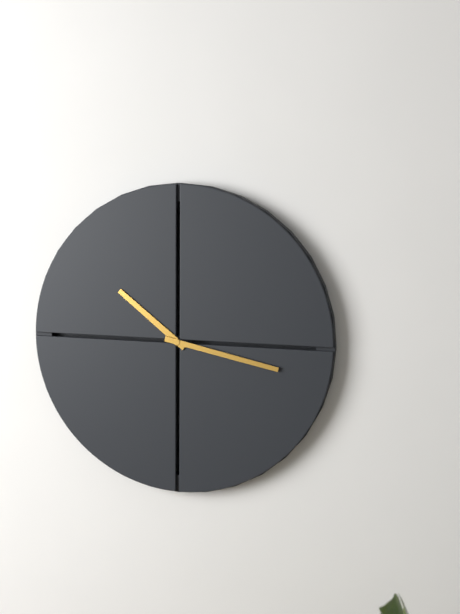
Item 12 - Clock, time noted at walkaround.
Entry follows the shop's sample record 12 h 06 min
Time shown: 10 h 17 min
